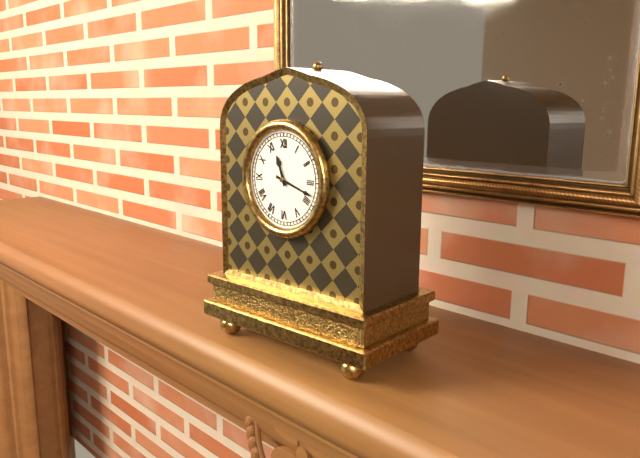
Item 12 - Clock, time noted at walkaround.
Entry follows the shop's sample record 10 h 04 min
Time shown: 11 h 18 min
